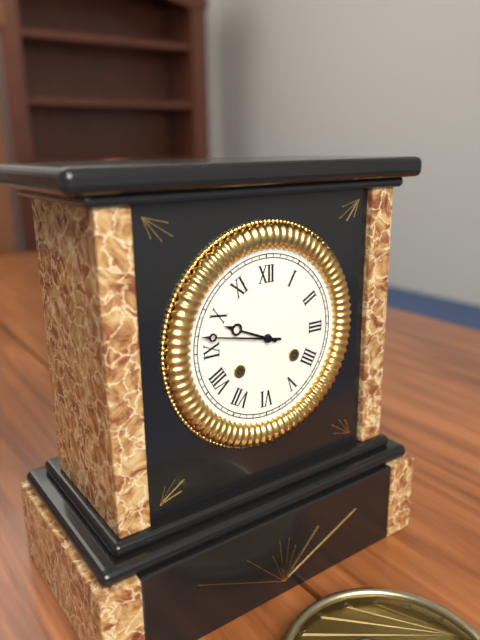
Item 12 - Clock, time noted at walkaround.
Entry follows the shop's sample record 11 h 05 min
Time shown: 9 h 47 min
